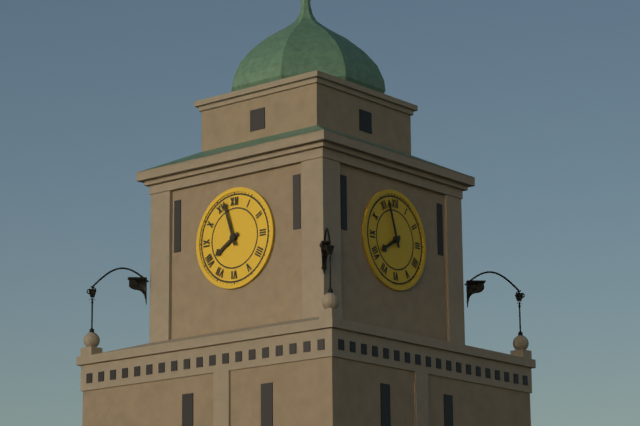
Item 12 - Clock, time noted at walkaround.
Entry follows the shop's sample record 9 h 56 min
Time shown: 7 h 57 min
